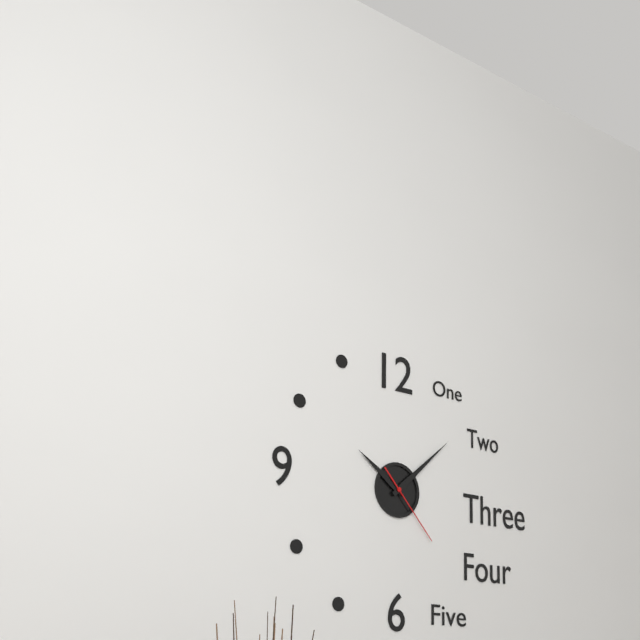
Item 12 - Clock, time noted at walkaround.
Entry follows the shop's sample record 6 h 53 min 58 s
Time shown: 10 h 08 min 23 s
